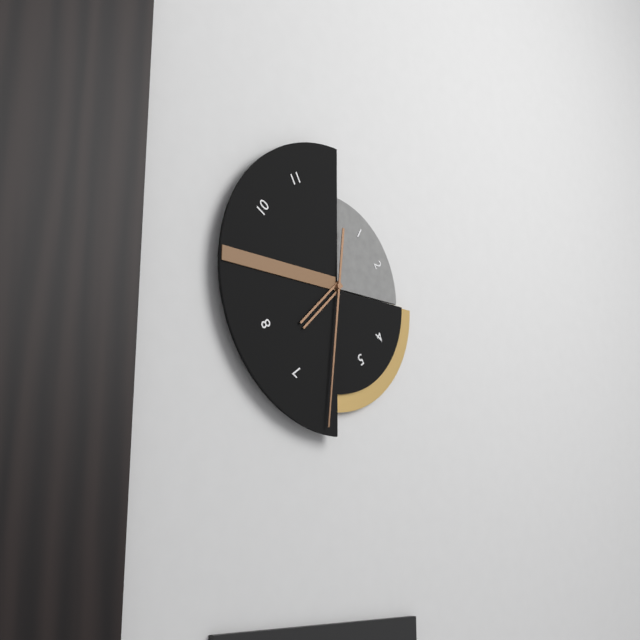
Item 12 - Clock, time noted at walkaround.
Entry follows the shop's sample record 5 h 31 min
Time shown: 7 h 31 min
